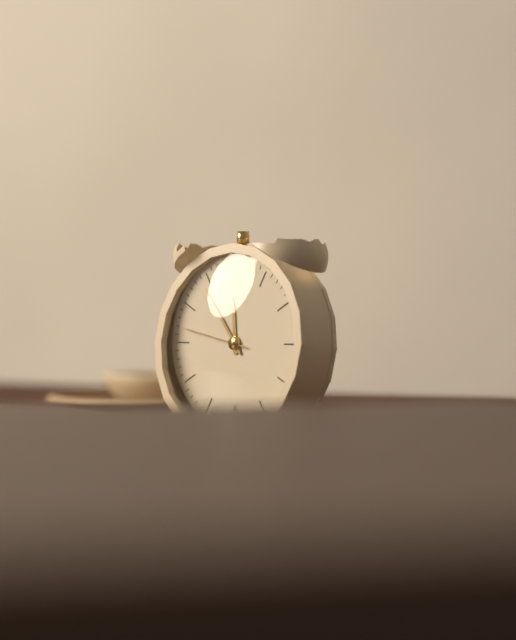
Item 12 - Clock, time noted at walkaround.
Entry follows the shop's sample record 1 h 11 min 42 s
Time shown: 11 h 54 min 47 s
